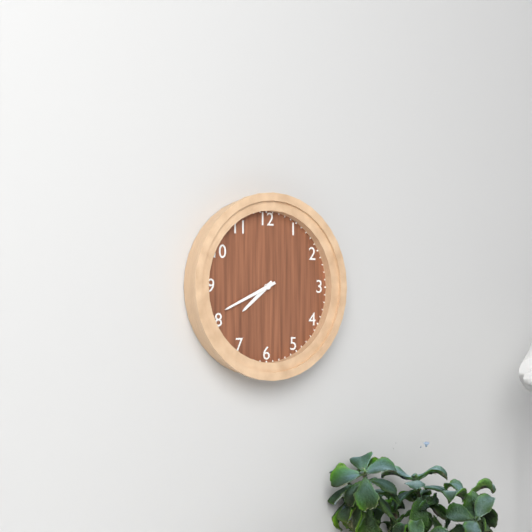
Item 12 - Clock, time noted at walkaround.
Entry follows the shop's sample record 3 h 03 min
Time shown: 7 h 41 min
